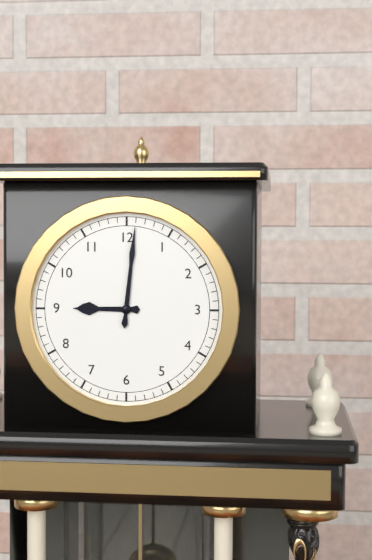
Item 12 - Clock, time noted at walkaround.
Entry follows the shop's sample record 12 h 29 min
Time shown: 9 h 01 min
